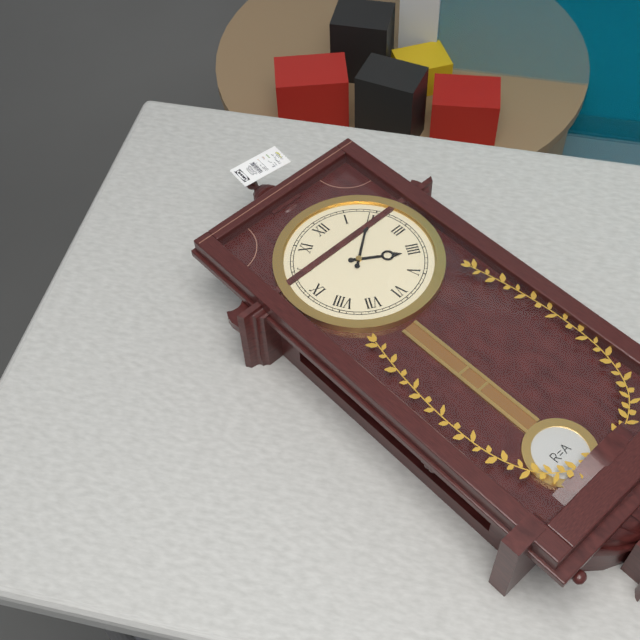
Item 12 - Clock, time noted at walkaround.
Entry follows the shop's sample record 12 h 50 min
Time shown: 4 h 09 min
